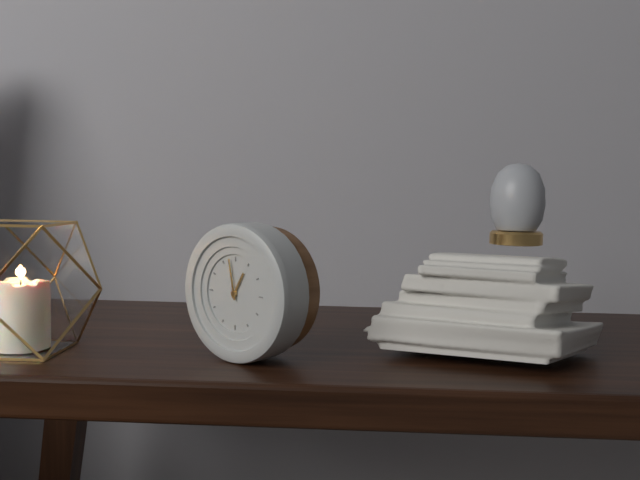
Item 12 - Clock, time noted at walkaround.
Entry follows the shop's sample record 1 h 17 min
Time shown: 12 h 58 min
